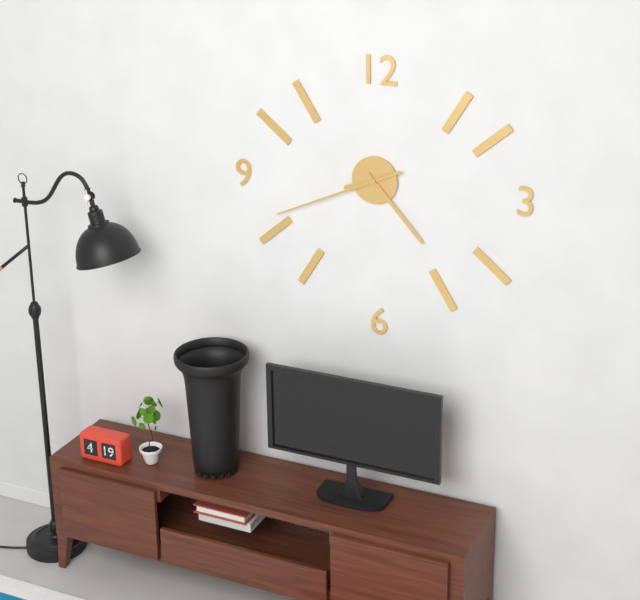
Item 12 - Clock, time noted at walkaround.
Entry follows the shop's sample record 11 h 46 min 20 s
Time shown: 8 h 23 min 41 s
